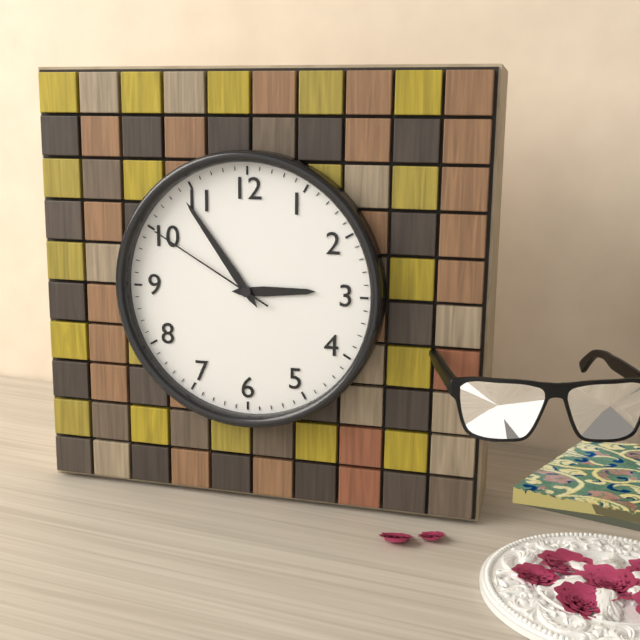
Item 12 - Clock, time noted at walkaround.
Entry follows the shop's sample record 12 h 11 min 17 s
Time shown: 2 h 54 min 50 s
